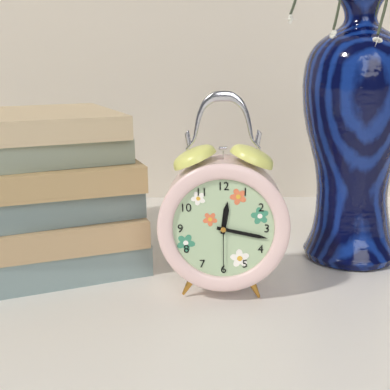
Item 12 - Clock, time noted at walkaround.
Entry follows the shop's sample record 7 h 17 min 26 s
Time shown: 12 h 17 min 30 s
